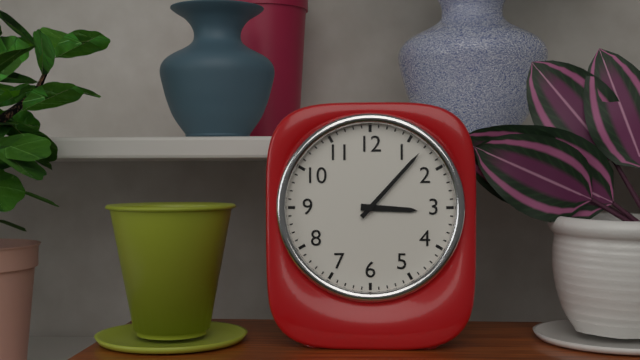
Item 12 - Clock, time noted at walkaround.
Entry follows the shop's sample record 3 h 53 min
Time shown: 3 h 07 min
